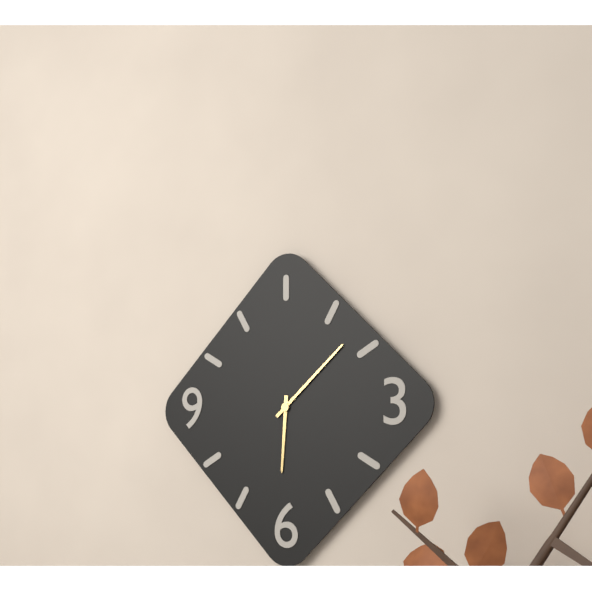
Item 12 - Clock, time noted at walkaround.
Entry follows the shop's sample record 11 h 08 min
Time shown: 6 h 08 min
